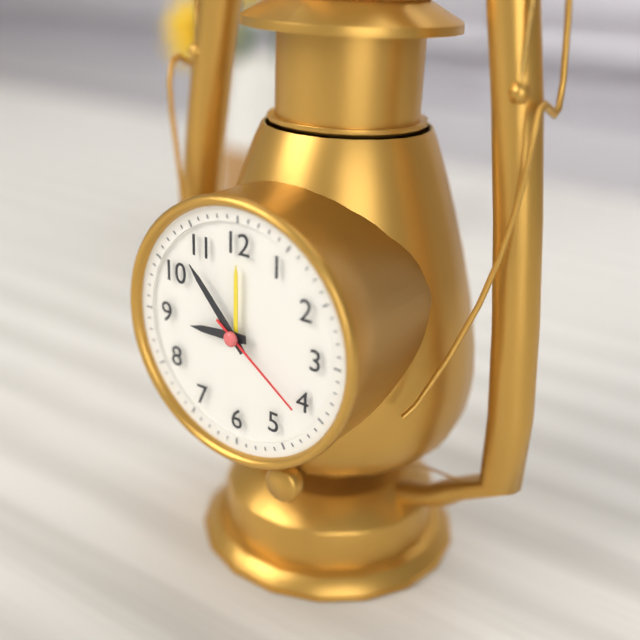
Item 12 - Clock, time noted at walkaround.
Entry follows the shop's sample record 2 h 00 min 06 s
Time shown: 8 h 53 min 21 s
